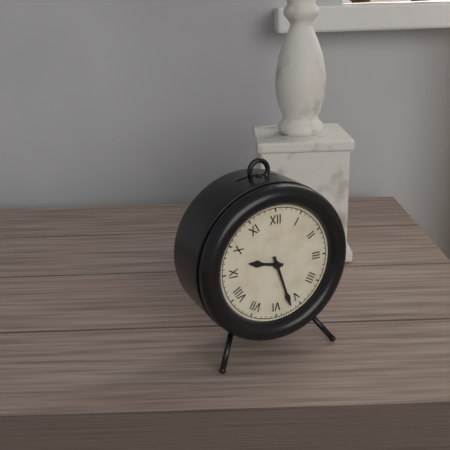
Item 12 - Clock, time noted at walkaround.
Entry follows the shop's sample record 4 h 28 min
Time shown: 9 h 27 min
